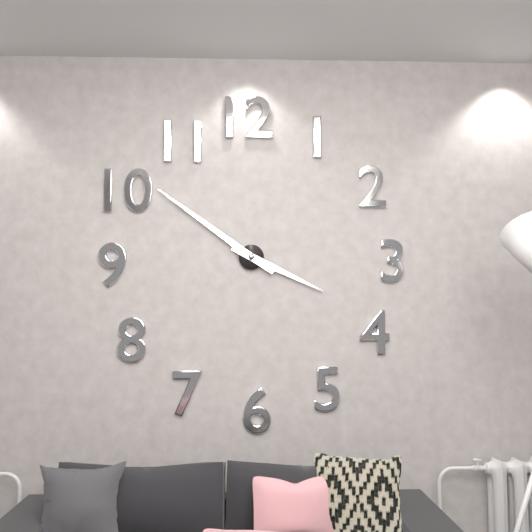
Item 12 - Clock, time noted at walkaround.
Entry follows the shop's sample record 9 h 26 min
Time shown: 3 h 51 min
